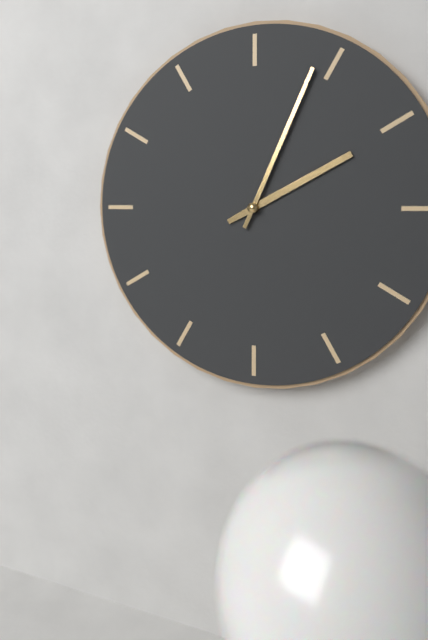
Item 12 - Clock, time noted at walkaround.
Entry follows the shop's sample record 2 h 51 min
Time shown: 2 h 04 min
